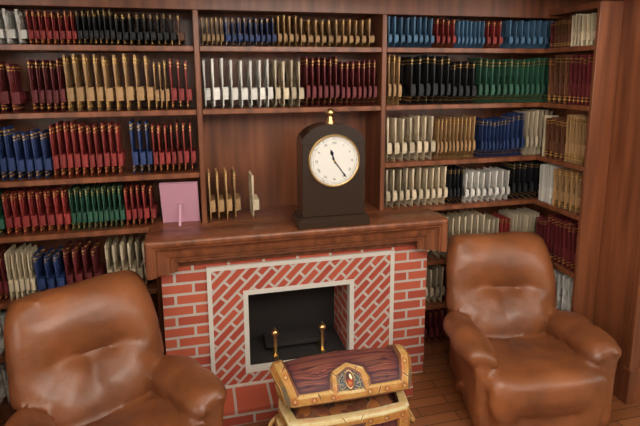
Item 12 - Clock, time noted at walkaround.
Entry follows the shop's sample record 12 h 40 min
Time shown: 11 h 24 min
